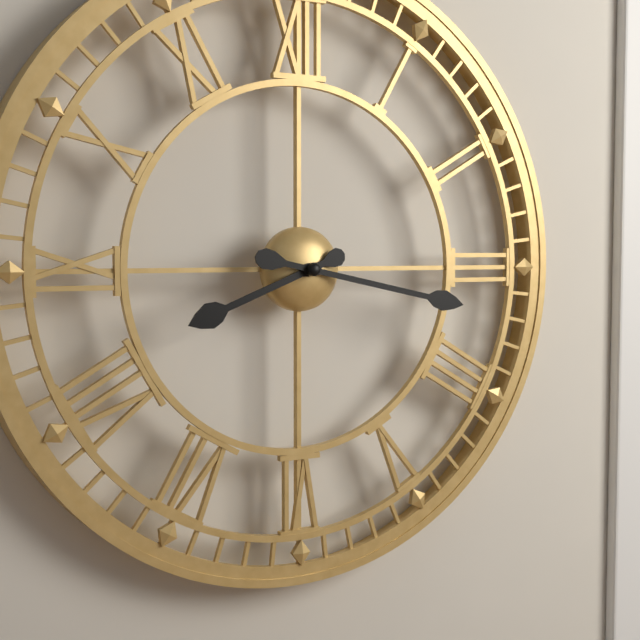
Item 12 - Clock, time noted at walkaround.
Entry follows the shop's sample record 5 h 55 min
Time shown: 8 h 17 min
